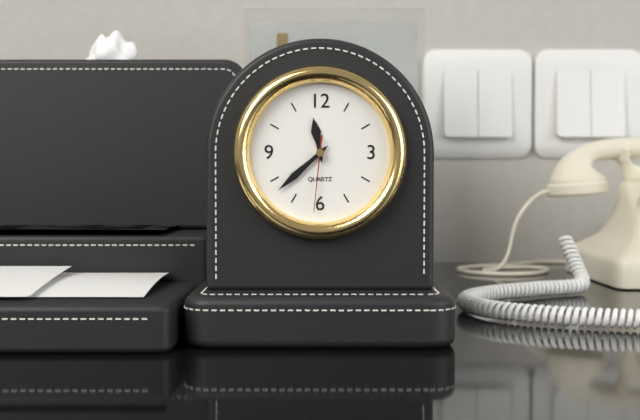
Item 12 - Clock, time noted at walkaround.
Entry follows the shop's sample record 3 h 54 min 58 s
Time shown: 11 h 38 min 31 s
